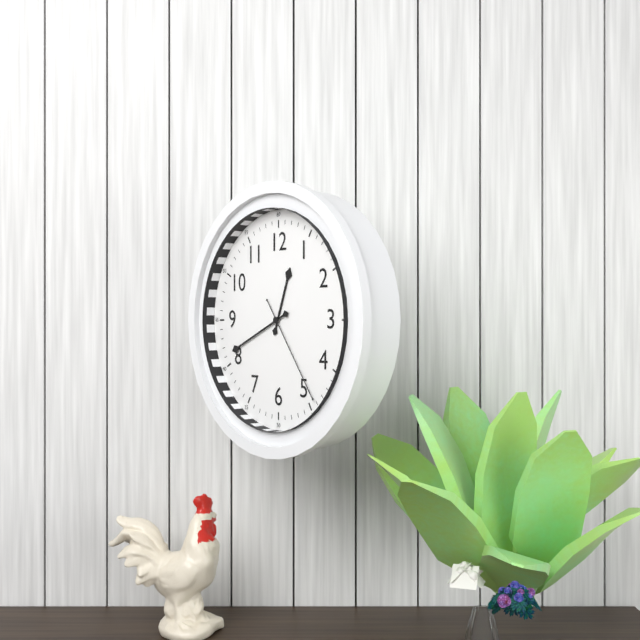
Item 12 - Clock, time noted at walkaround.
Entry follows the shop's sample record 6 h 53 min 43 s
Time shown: 12 h 41 min 24 s
